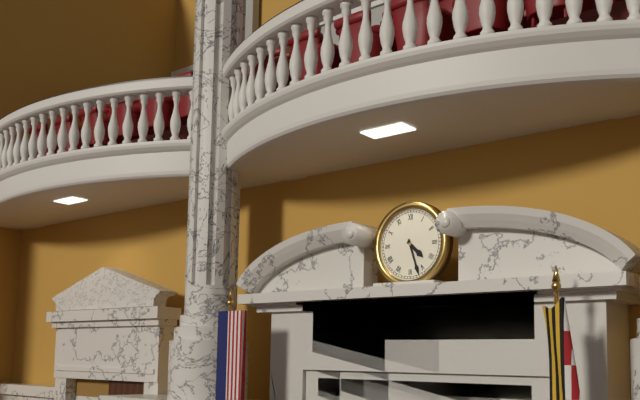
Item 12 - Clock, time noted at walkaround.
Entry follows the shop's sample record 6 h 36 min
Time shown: 4 h 27 min
